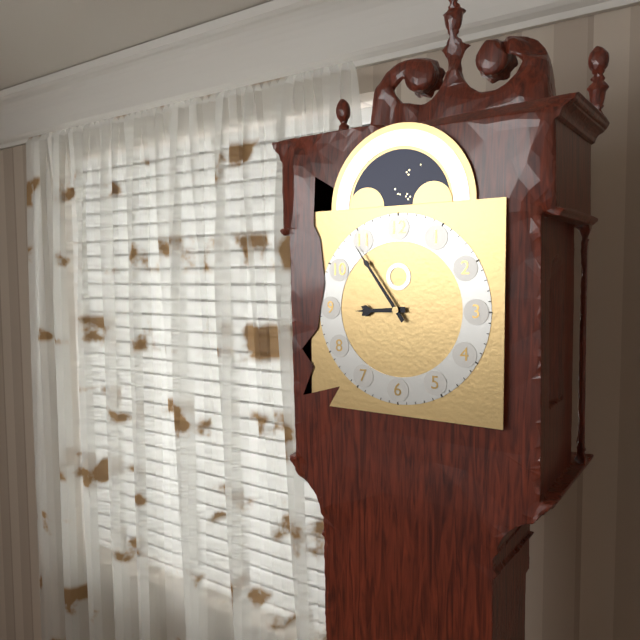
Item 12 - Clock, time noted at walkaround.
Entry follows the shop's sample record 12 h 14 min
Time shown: 8 h 54 min
